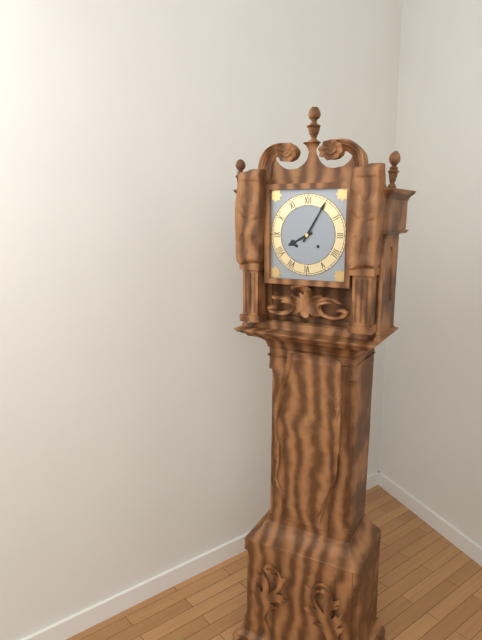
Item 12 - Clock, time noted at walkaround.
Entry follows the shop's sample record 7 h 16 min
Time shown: 8 h 05 min
